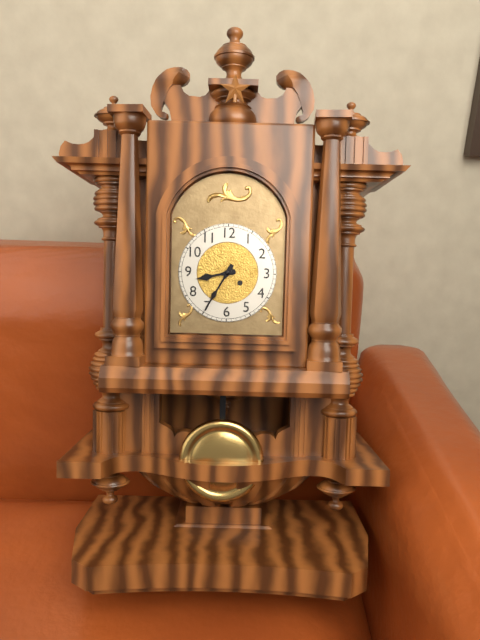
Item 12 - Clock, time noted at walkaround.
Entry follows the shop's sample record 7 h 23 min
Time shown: 8 h 35 min
